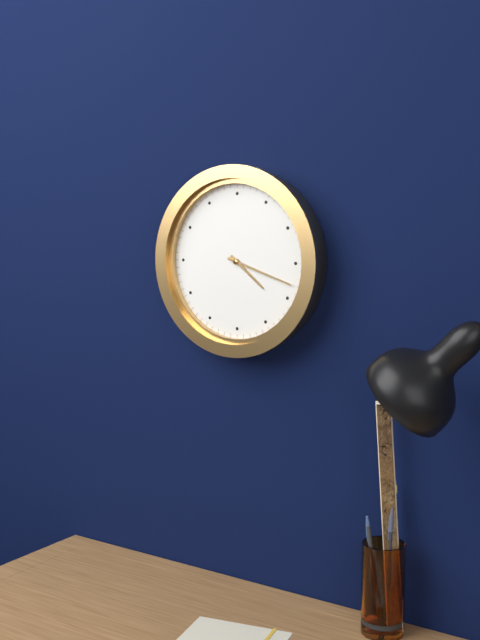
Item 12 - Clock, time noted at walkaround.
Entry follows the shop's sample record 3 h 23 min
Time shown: 4 h 18 min
